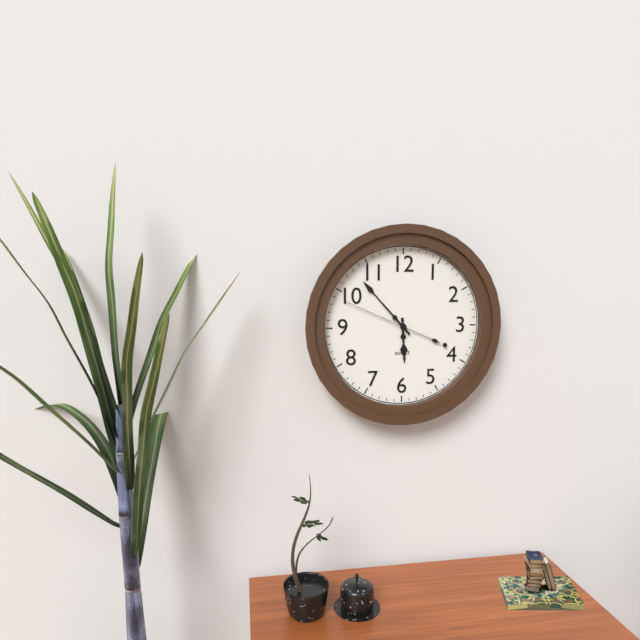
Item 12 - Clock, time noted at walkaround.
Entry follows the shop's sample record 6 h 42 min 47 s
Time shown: 5 h 53 min 49 s
